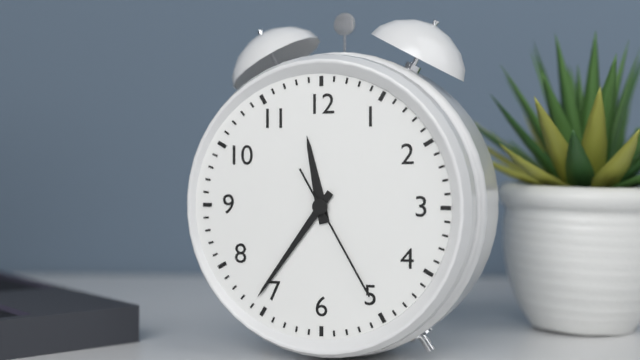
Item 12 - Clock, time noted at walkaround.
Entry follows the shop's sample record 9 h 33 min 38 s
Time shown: 11 h 36 min 25 s
